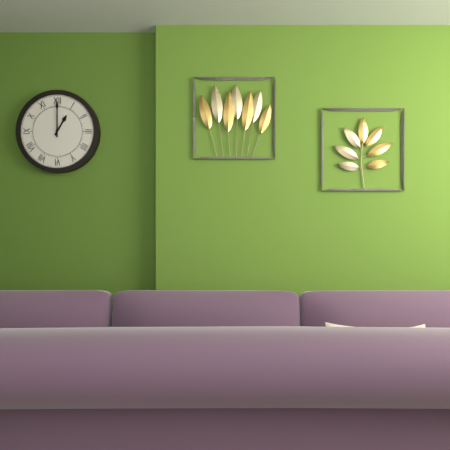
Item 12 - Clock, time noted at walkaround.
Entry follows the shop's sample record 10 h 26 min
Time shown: 1 h 00 min
